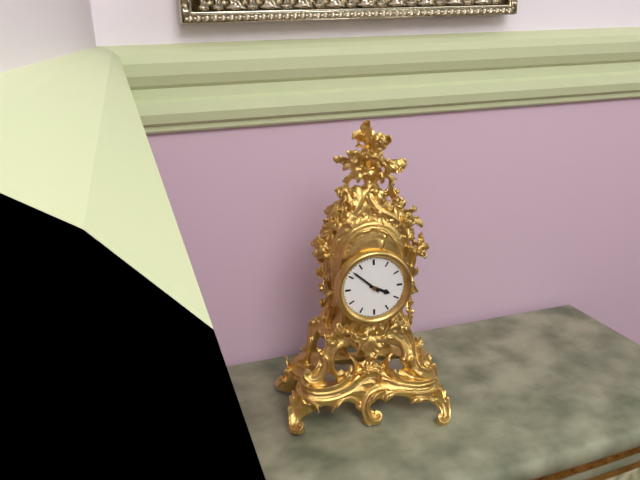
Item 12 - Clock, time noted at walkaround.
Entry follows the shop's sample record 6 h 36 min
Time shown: 3 h 52 min
